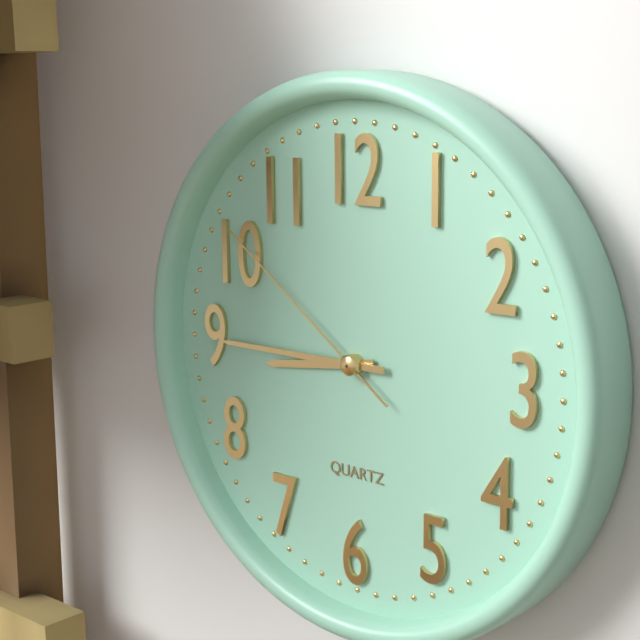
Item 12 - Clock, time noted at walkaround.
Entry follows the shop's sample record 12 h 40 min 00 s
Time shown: 8 h 45 min 51 s
